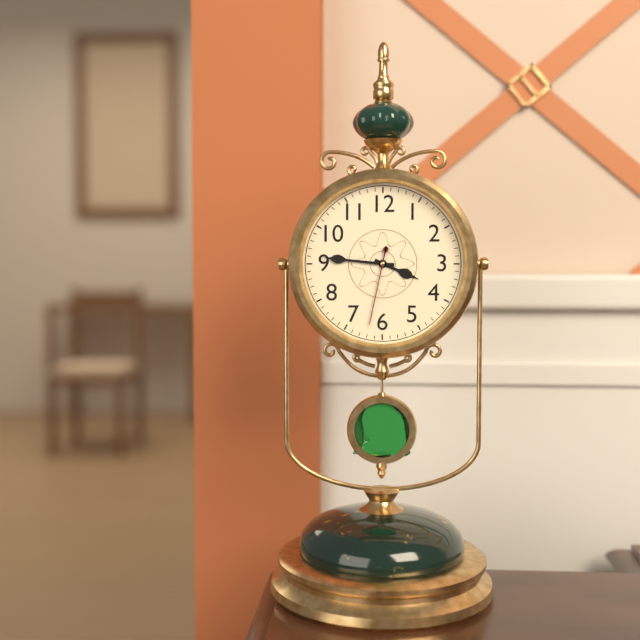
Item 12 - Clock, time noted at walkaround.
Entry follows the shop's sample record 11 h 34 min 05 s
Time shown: 3 h 46 min 32 s
